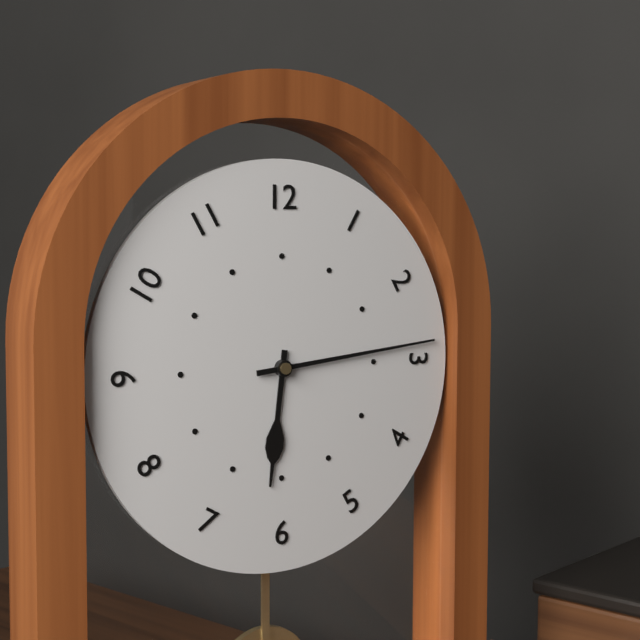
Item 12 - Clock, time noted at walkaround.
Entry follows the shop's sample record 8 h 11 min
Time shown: 6 h 14 min
